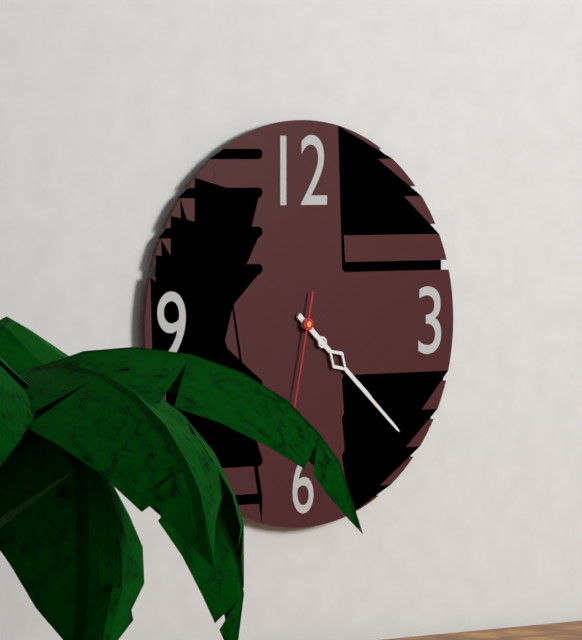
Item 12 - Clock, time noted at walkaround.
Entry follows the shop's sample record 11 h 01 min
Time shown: 4 h 22 min
